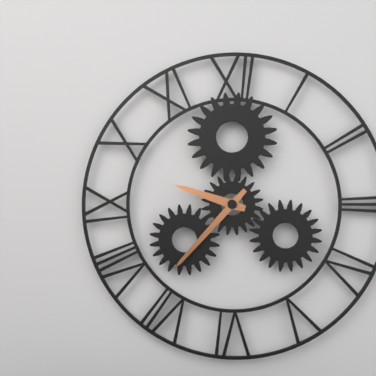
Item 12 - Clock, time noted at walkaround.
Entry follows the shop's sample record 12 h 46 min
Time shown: 9 h 37 min
